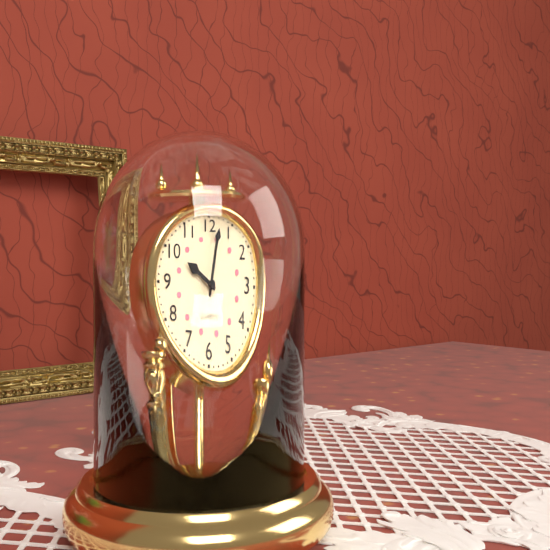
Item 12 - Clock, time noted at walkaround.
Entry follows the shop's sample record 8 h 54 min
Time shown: 10 h 02 min
